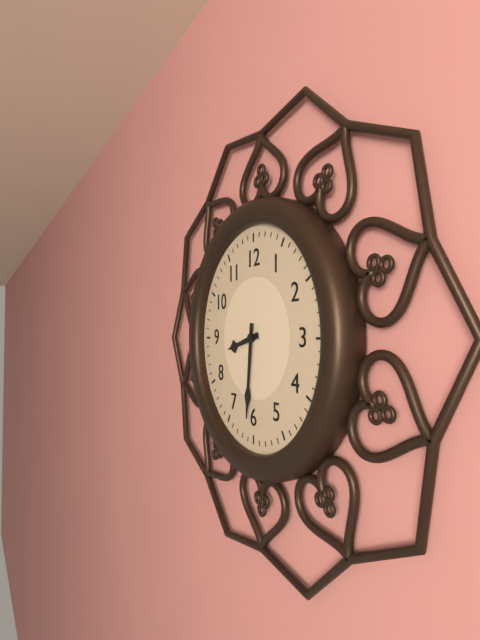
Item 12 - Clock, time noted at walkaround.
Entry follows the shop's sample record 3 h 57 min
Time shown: 8 h 31 min
